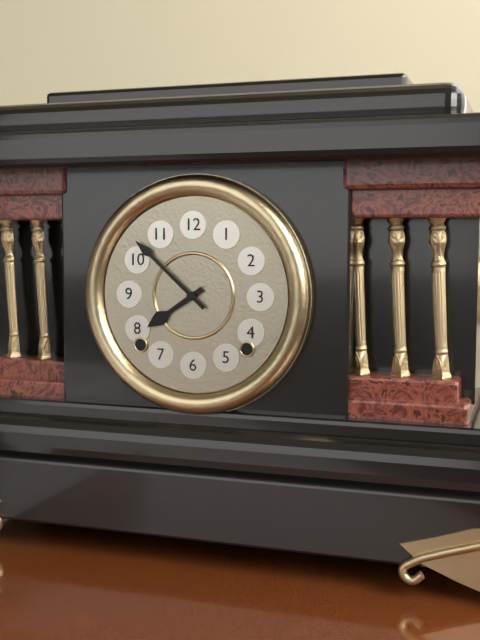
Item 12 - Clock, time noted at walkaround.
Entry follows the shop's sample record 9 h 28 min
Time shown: 7 h 52 min
